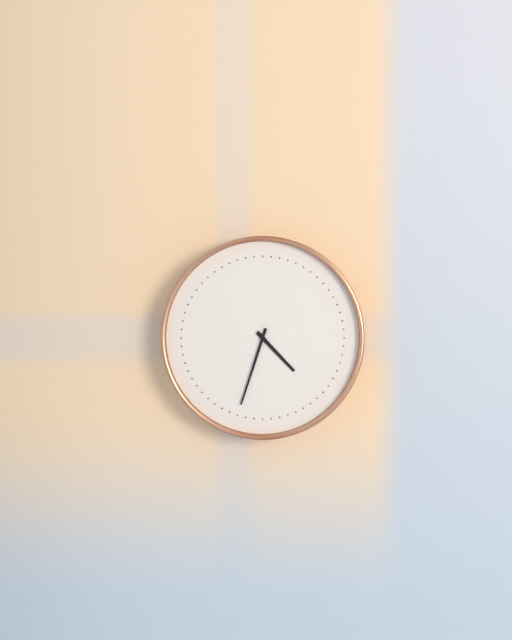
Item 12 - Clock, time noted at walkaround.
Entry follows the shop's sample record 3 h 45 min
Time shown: 4 h 33 min
